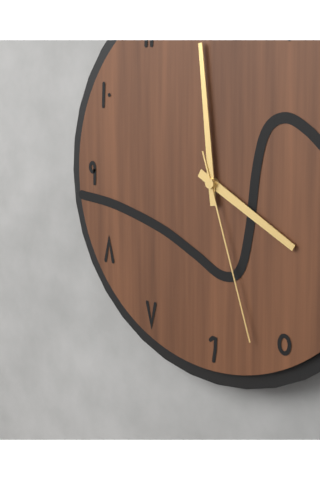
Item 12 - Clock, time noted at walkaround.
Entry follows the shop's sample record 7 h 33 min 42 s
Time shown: 3 h 59 min 27 s
